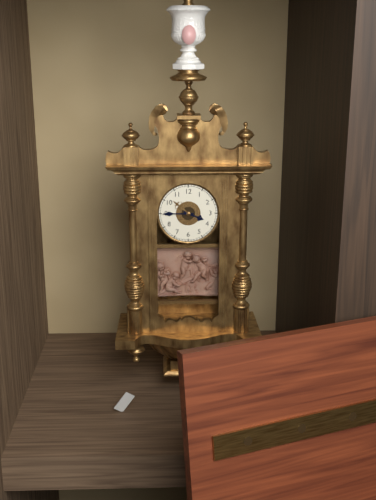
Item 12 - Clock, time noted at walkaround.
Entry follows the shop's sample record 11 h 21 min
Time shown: 3 h 45 min
